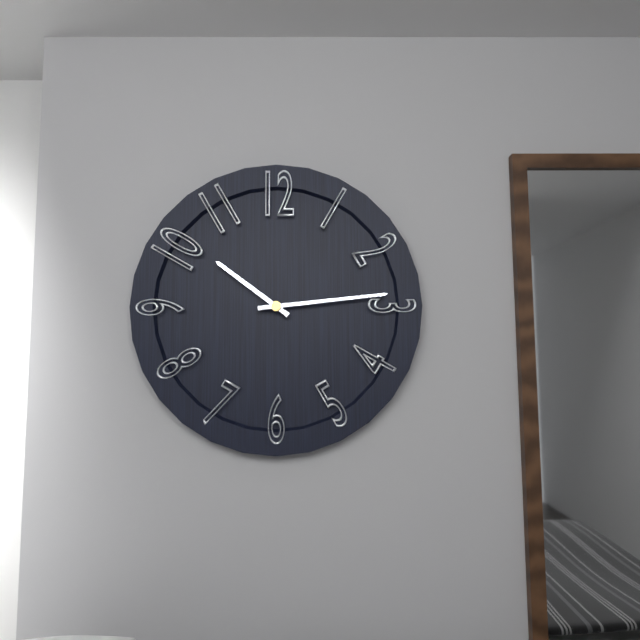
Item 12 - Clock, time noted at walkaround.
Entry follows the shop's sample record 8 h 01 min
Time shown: 10 h 14 min
